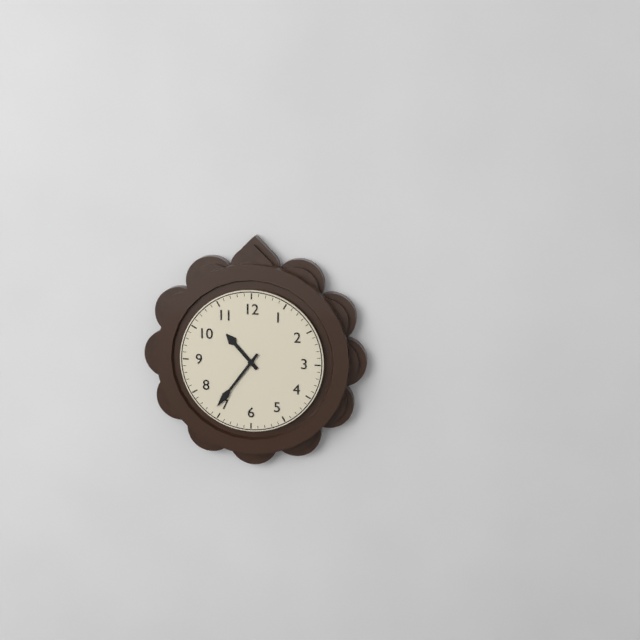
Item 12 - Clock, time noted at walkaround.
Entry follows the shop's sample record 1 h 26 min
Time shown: 10 h 36 min
